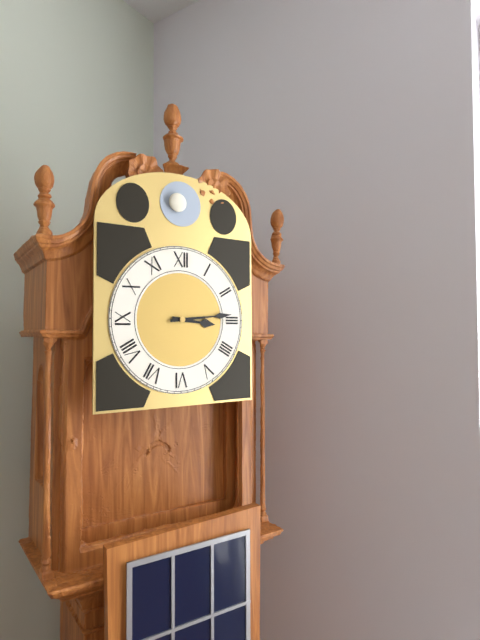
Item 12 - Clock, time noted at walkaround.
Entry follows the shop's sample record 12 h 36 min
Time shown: 3 h 14 min
